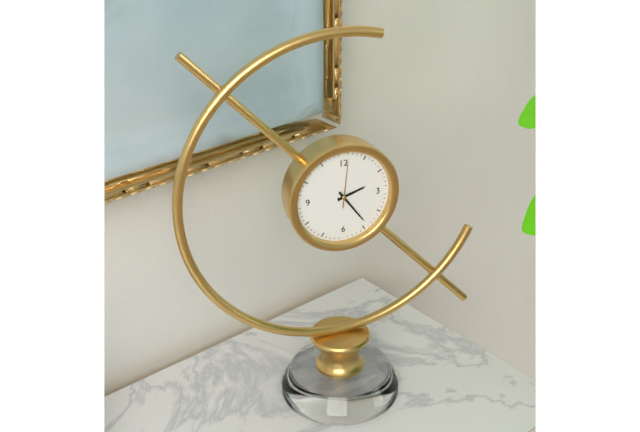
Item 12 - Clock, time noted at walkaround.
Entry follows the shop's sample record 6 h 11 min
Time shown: 2 h 24 min
